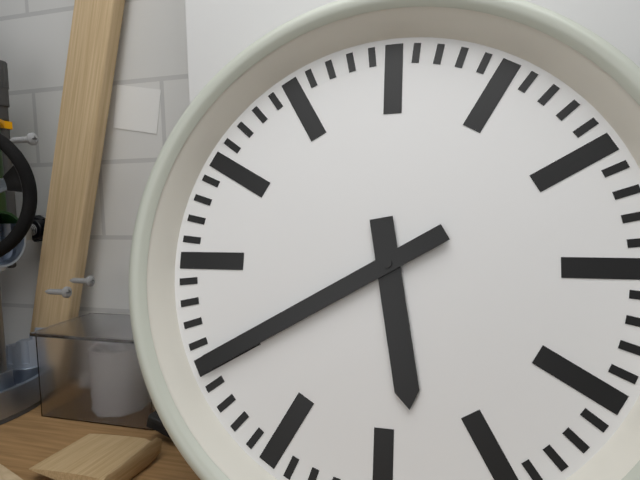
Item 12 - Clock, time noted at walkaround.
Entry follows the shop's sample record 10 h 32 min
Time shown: 5 h 40 min
